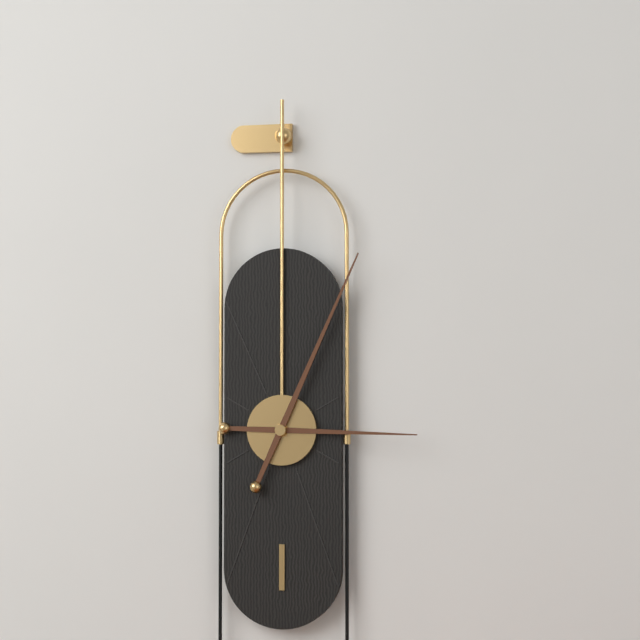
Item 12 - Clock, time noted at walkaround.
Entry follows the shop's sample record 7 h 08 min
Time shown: 3 h 04 min
